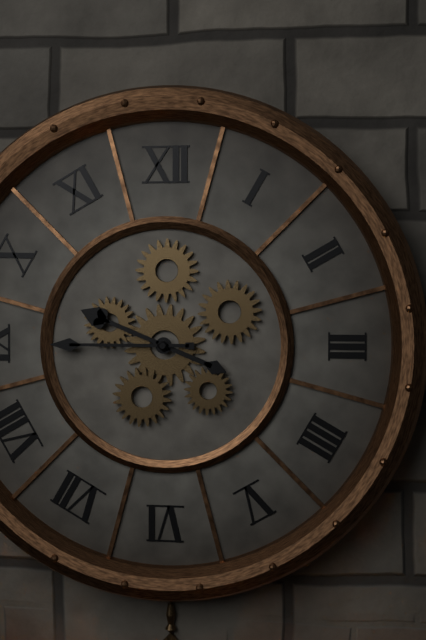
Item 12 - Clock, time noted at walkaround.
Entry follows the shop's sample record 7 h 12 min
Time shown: 9 h 45 min
